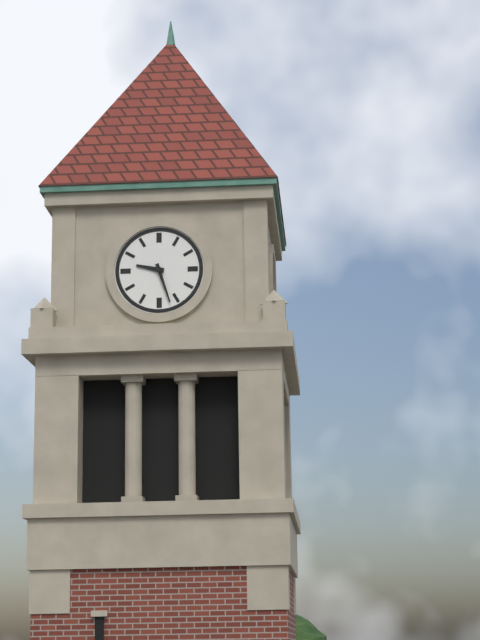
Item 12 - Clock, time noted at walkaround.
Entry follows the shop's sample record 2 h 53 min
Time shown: 9 h 27 min
